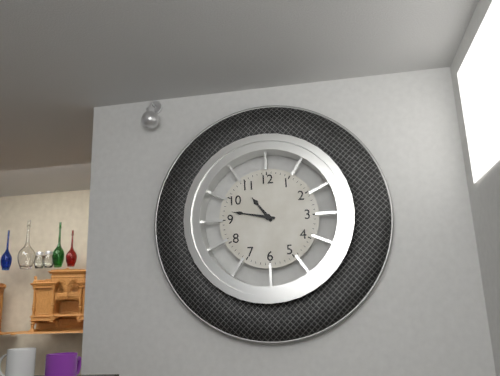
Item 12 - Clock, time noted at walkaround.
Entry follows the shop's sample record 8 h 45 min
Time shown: 10 h 47 min
